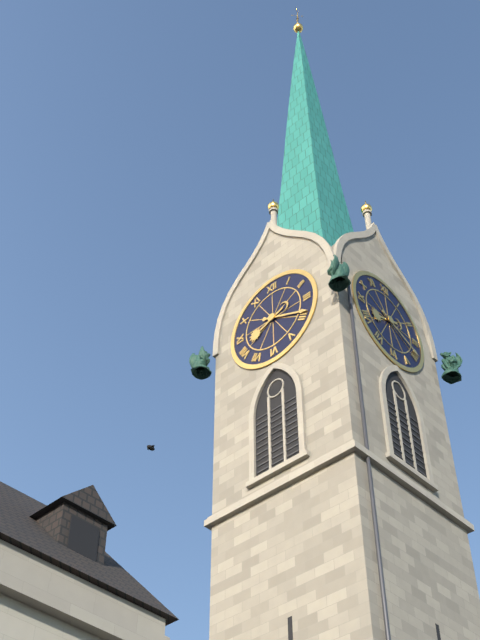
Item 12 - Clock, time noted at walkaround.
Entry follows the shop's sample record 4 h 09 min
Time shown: 8 h 19 min
